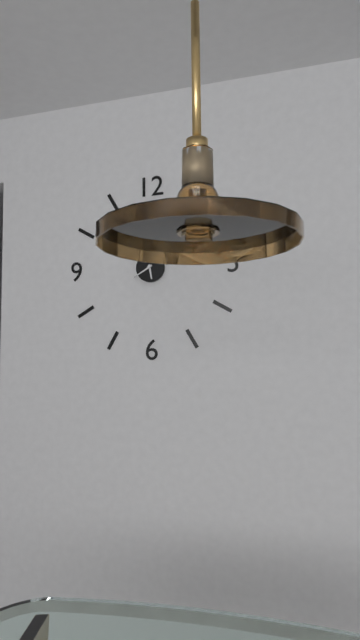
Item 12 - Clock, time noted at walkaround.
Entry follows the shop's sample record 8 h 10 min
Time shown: 5 h 40 min
